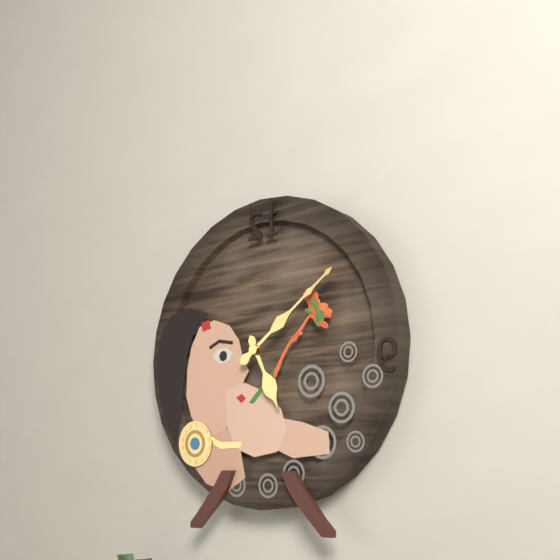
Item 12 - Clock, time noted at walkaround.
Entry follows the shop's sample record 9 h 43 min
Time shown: 5 h 09 min
